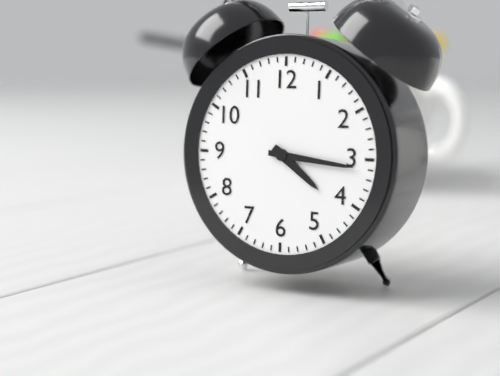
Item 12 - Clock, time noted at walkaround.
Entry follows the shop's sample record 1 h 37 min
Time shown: 4 h 16 min
